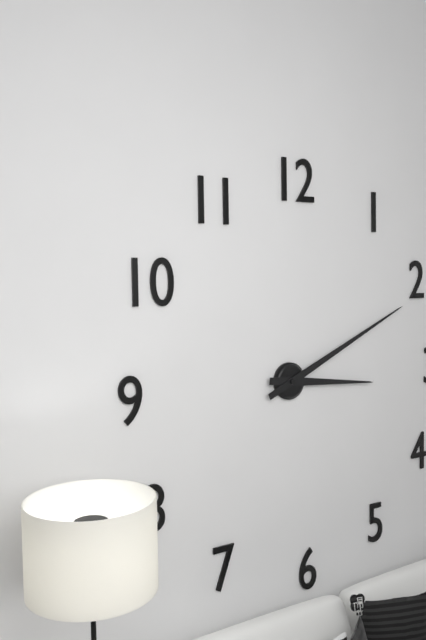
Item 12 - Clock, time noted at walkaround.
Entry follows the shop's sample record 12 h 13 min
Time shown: 3 h 11 min
